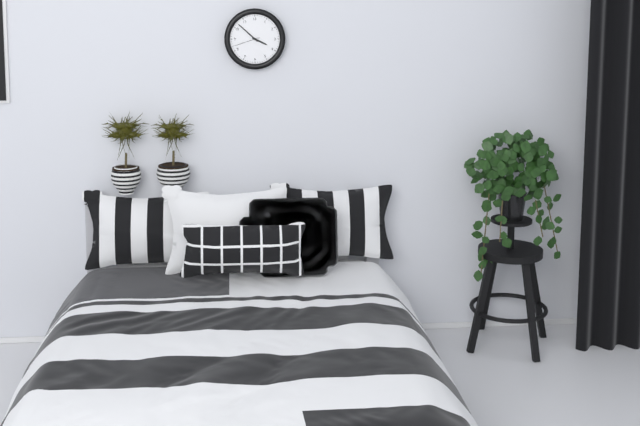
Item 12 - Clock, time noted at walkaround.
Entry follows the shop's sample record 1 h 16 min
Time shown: 3 h 52 min
